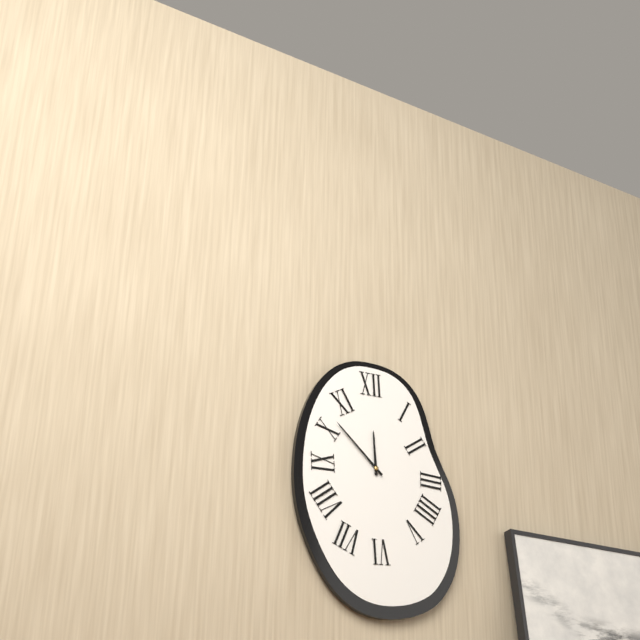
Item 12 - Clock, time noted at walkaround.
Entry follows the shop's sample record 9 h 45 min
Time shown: 11 h 52 min
